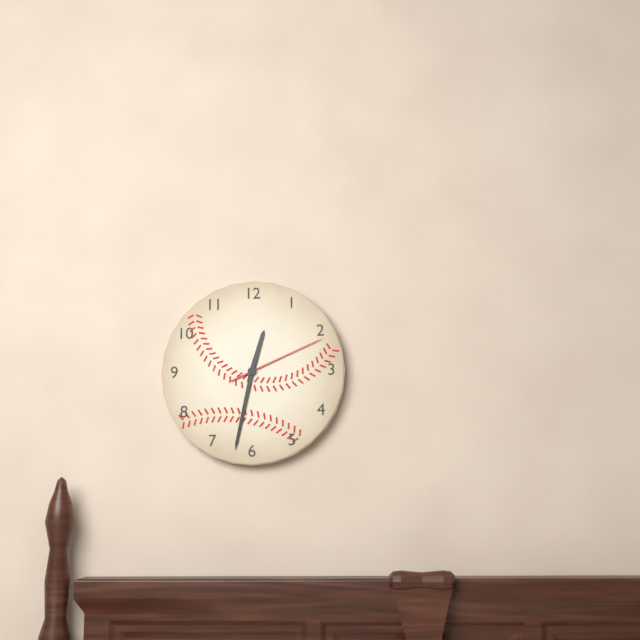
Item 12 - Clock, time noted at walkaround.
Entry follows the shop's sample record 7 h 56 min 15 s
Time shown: 12 h 32 min 11 s
